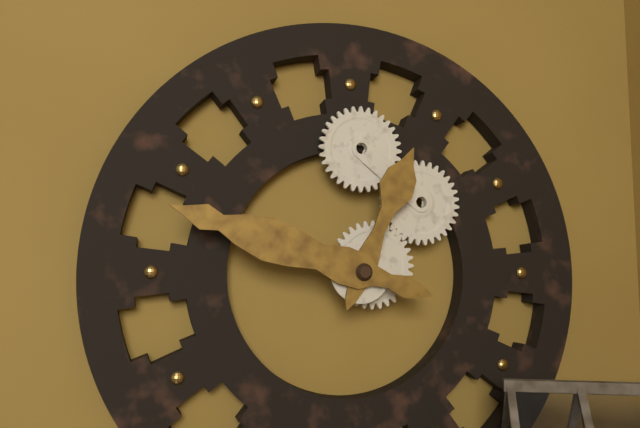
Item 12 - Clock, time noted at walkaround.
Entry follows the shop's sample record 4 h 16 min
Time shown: 12 h 48 min
